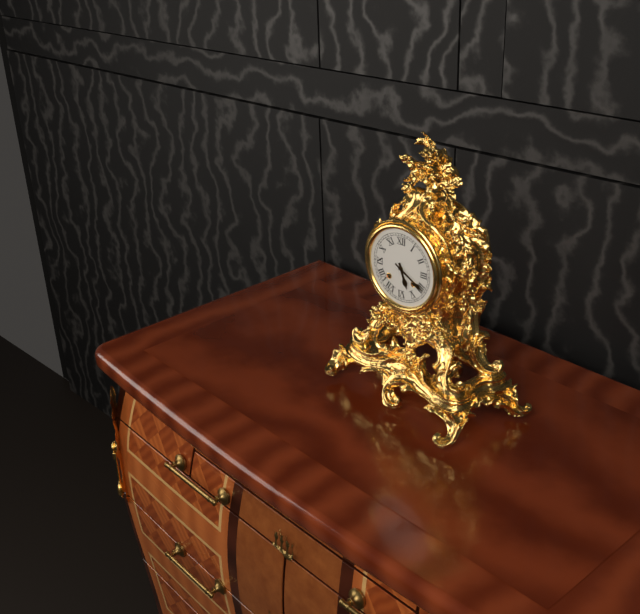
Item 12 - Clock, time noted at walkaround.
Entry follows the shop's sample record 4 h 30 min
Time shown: 5 h 20 min
